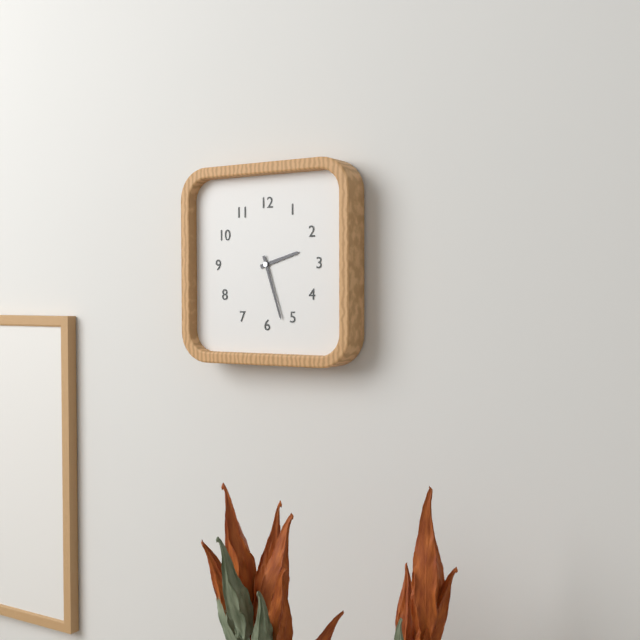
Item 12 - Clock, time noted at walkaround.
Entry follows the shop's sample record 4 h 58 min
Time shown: 2 h 27 min
